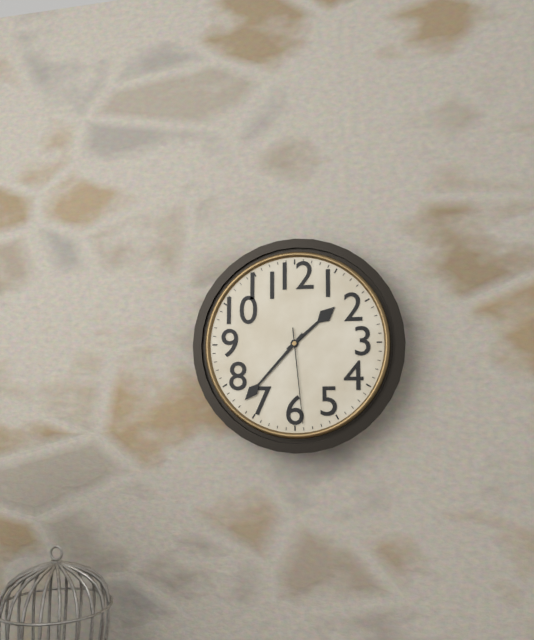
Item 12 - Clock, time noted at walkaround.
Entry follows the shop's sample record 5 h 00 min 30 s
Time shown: 1 h 37 min 29 s
